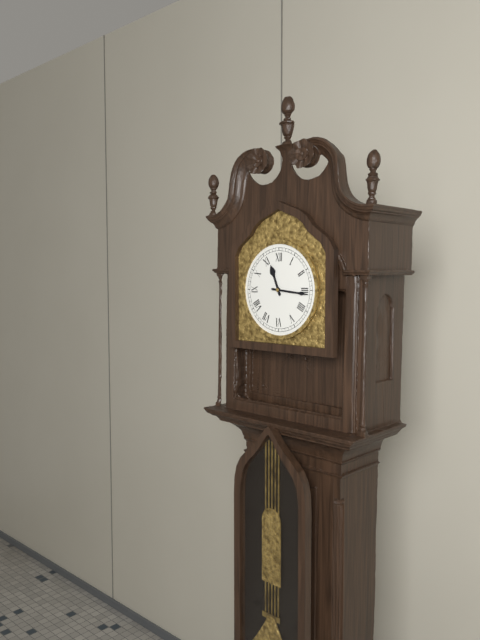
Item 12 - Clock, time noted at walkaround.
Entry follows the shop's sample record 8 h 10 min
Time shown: 11 h 16 min
